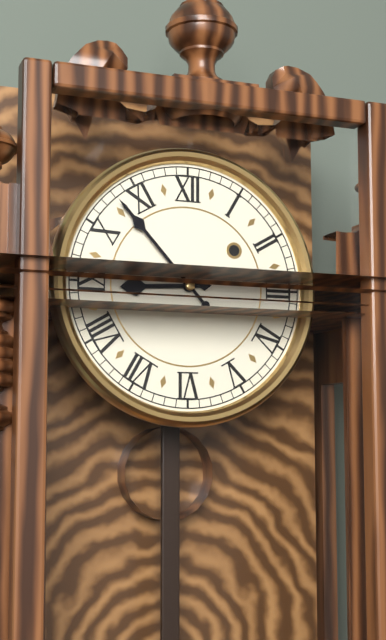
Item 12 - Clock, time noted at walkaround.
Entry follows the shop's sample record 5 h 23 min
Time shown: 8 h 53 min
